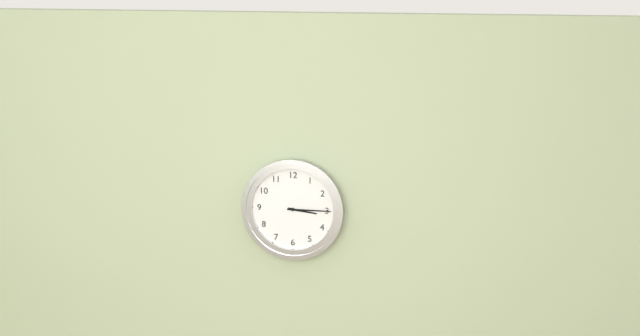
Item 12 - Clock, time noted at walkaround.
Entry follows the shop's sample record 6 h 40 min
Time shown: 3 h 15 min
